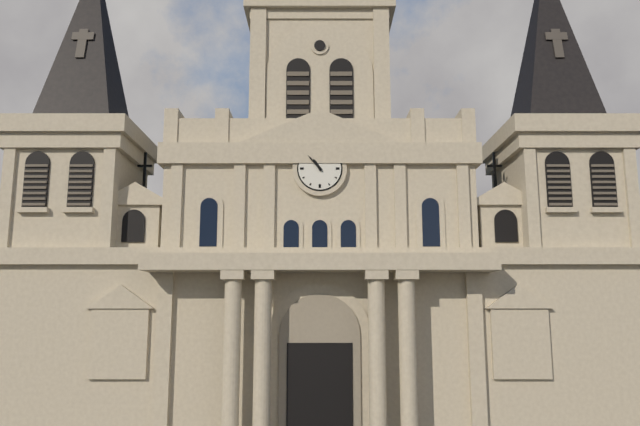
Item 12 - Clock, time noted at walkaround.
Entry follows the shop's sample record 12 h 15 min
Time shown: 10 h 53 min
